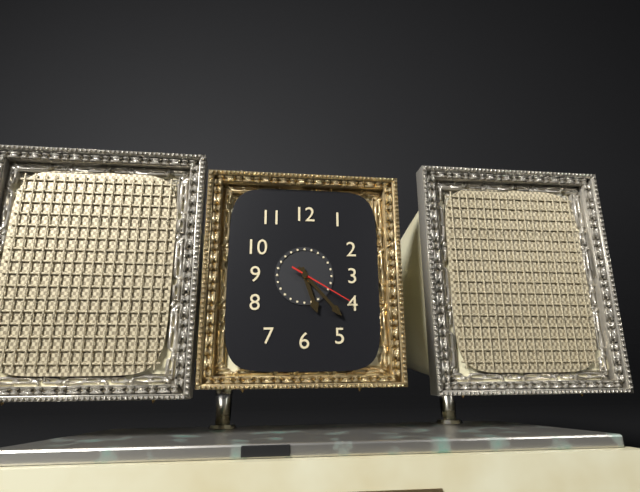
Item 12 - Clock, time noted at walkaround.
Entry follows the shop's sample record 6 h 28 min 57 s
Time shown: 5 h 23 min 20 s
